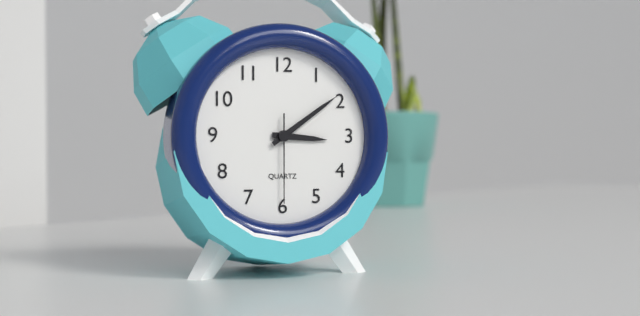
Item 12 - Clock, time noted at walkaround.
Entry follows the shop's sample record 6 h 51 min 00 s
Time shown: 3 h 09 min 30 s
